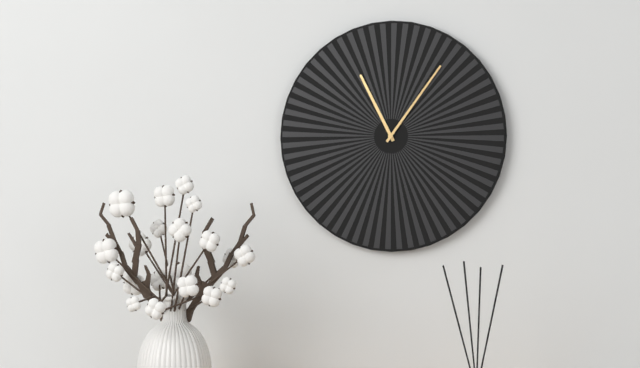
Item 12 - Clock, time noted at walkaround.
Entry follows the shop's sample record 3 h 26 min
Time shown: 11 h 06 min
